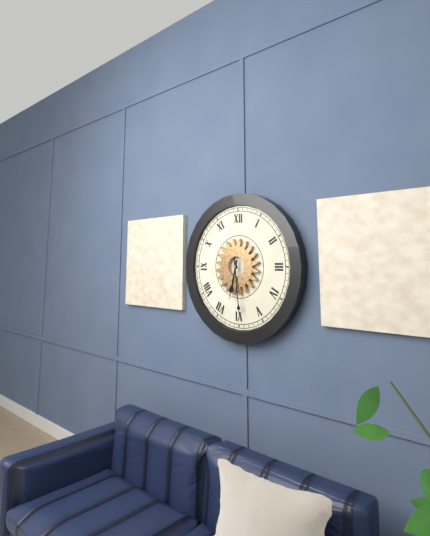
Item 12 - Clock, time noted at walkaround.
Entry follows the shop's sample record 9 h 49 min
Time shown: 6 h 29 min
